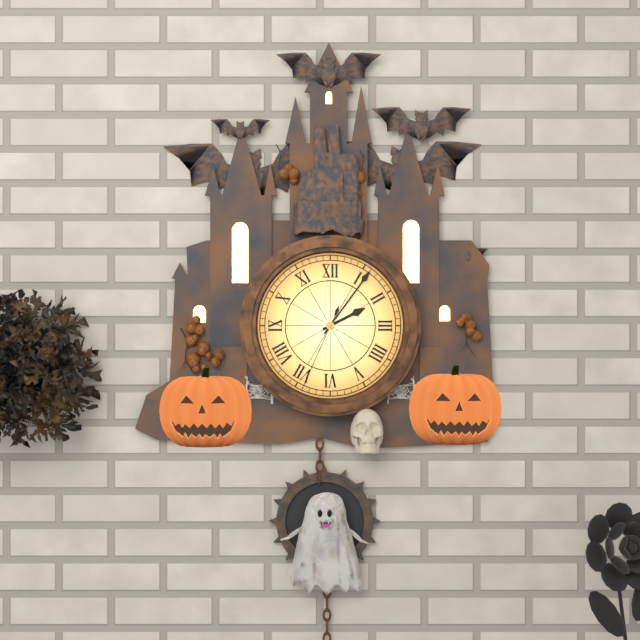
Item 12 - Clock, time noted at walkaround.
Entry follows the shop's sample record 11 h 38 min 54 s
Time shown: 2 h 06 min 34 s
